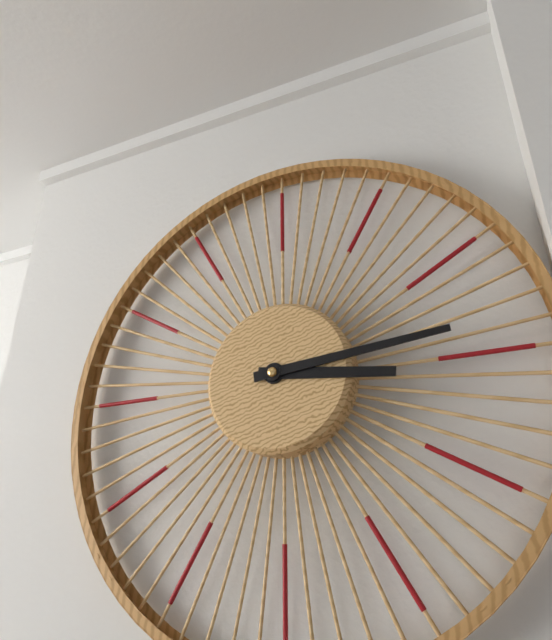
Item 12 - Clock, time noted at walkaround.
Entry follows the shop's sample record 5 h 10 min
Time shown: 3 h 14 min
